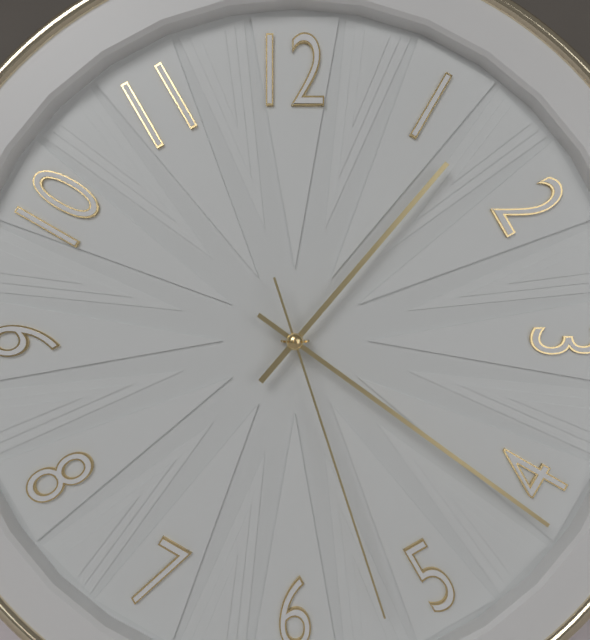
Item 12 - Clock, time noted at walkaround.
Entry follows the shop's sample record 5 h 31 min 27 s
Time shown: 1 h 21 min 27 s
